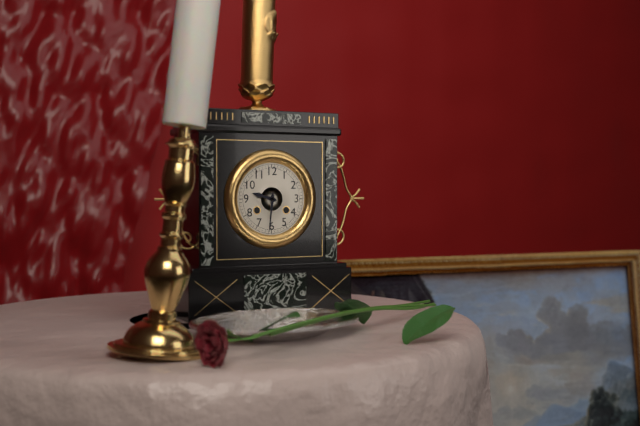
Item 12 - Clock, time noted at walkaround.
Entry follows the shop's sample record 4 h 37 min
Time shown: 9 h 31 min
